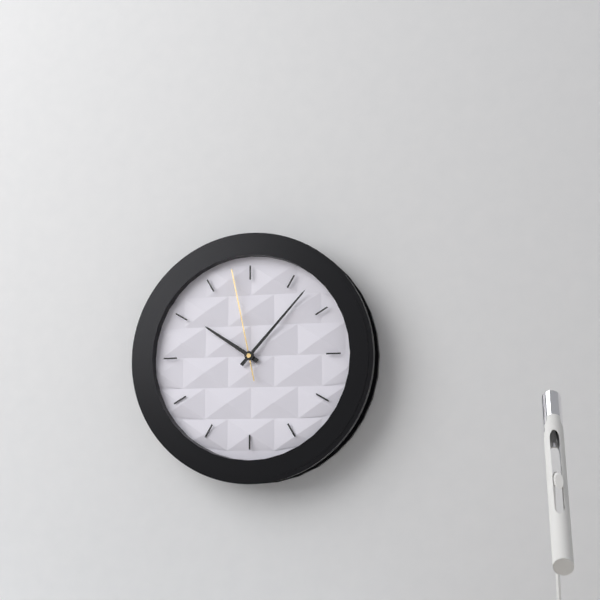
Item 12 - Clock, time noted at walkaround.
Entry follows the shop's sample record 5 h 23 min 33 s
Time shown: 10 h 07 min 58 s
